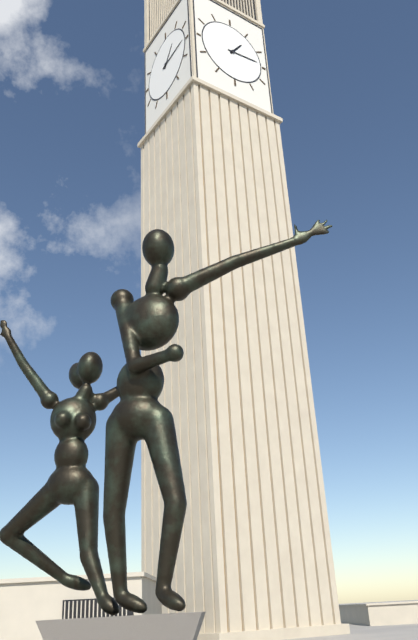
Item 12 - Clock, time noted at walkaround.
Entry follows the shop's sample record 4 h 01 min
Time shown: 1 h 14 min
